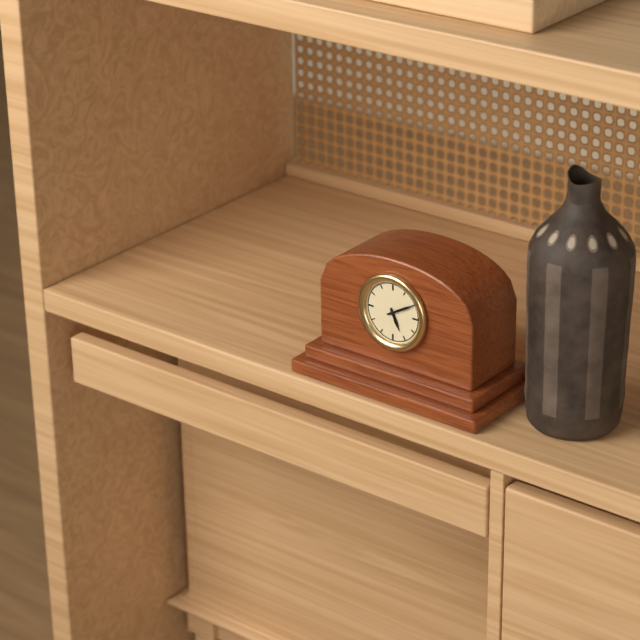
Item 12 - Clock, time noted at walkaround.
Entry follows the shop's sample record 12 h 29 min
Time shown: 5 h 10 min
